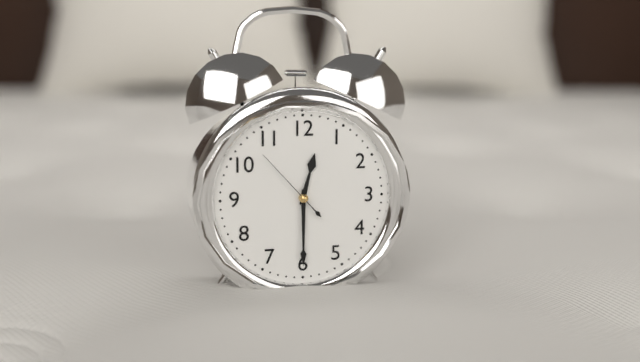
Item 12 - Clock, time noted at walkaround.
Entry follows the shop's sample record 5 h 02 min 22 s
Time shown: 12 h 30 min 53 s
